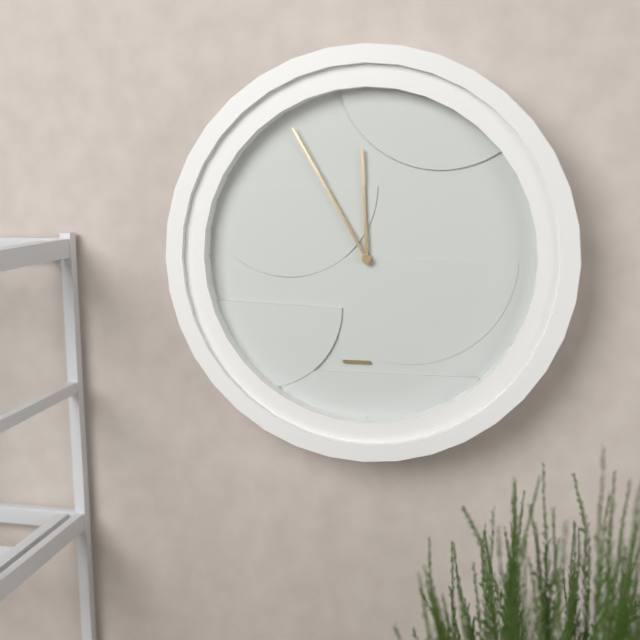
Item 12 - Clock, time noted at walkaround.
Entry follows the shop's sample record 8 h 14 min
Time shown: 11 h 55 min
